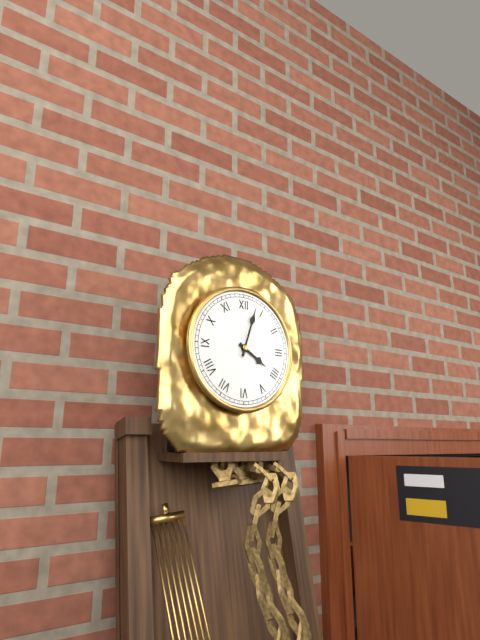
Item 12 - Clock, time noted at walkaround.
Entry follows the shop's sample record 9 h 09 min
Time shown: 4 h 03 min
